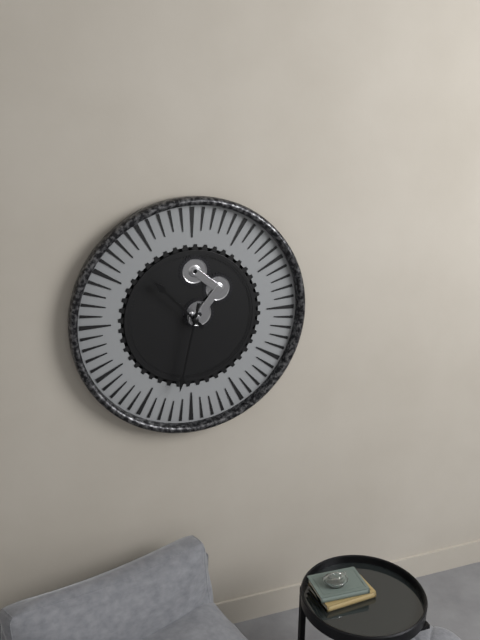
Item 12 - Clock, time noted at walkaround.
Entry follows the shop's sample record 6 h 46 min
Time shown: 10 h 32 min
